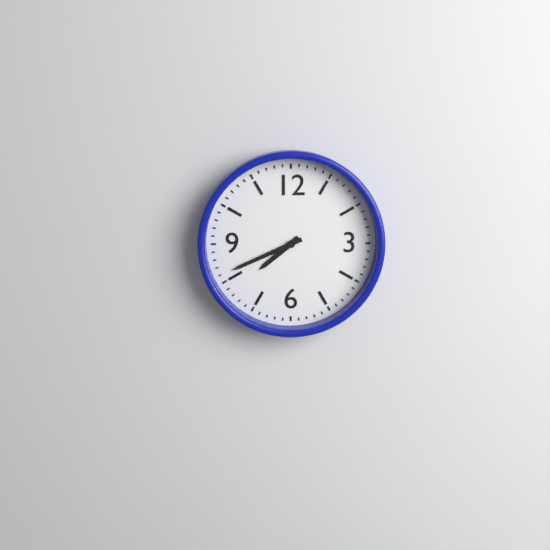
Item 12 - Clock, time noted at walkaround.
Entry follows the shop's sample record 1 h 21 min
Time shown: 7 h 41 min
